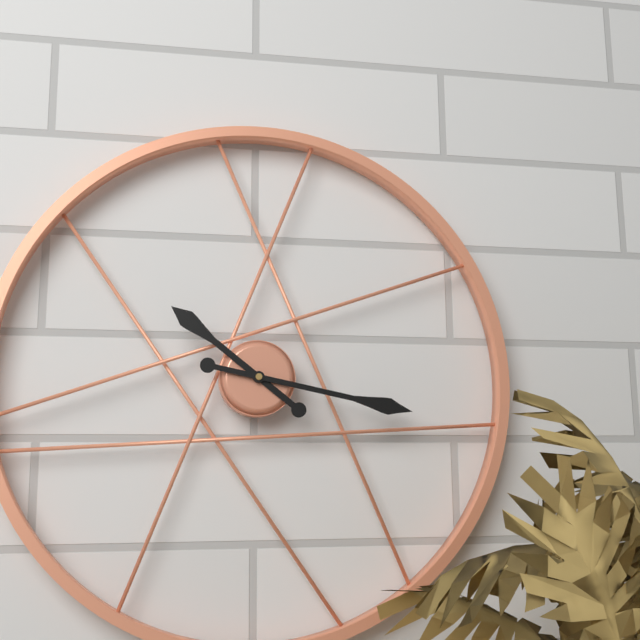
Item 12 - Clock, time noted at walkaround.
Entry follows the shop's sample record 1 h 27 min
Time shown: 10 h 17 min
